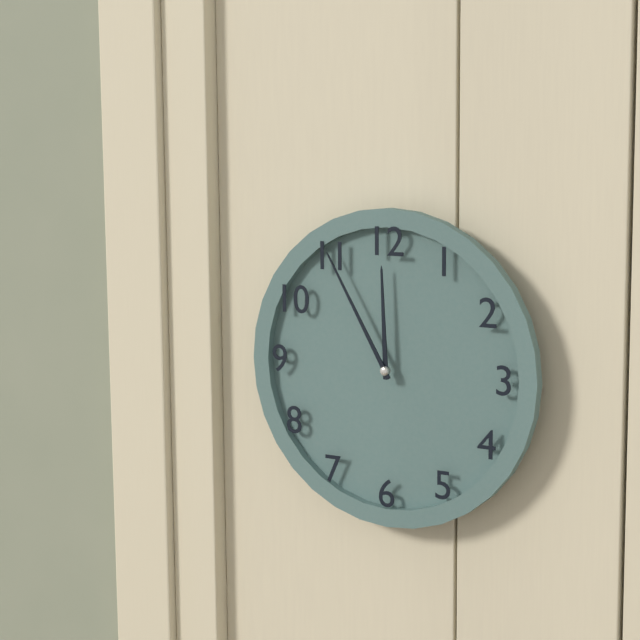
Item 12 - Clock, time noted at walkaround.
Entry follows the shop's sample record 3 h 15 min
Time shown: 11 h 55 min
